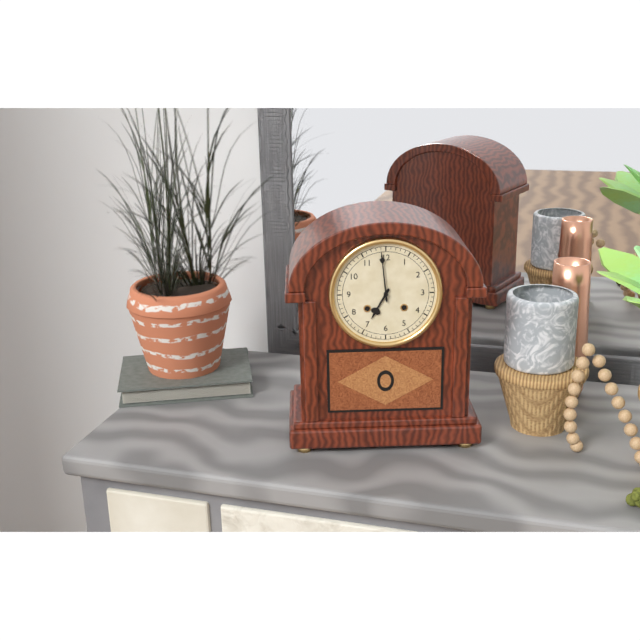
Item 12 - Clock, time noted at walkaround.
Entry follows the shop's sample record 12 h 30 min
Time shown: 6 h 59 min
